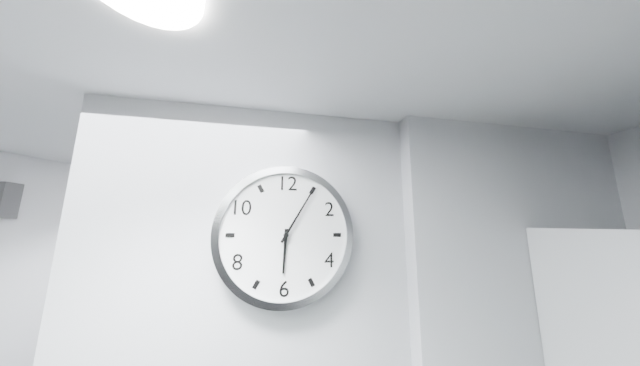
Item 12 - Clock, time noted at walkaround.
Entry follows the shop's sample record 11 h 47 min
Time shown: 6 h 05 min
